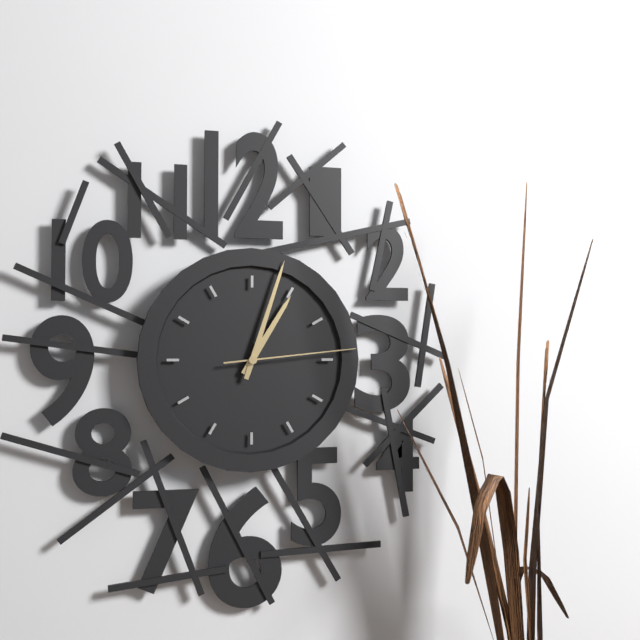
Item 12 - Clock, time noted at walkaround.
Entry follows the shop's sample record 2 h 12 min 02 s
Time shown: 1 h 03 min 14 s
